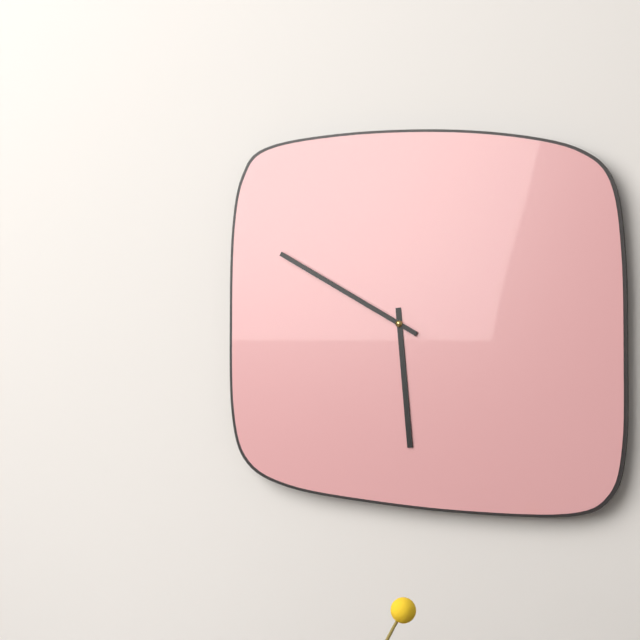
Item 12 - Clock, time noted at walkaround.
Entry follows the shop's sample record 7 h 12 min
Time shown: 5 h 50 min
